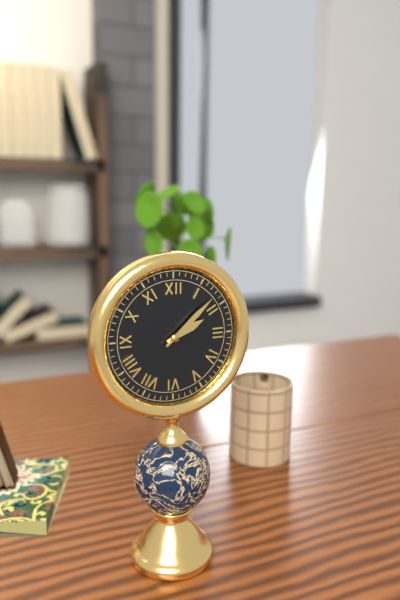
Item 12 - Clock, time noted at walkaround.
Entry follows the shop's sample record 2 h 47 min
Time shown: 2 h 08 min
